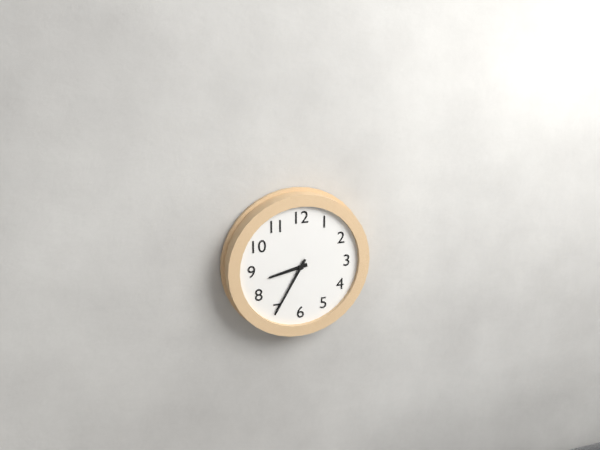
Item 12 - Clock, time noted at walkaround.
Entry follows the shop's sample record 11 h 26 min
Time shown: 8 h 35 min
